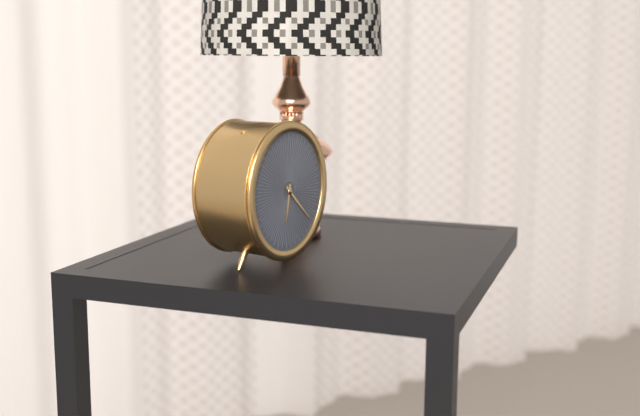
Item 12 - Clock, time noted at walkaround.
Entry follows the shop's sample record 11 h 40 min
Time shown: 6 h 22 min
